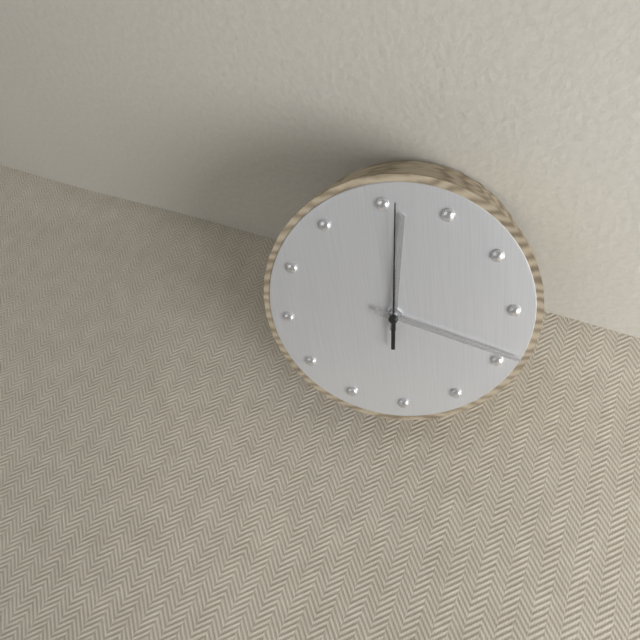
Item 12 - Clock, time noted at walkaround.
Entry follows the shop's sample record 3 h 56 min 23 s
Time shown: 12 h 19 min 01 s
